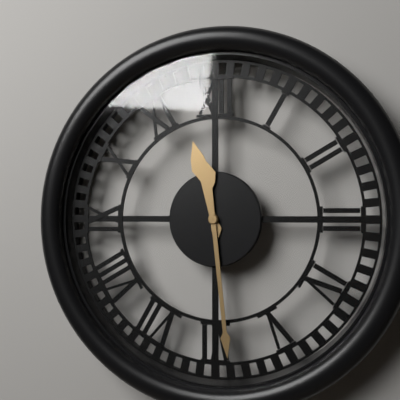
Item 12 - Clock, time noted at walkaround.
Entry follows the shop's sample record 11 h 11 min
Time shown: 11 h 29 min
